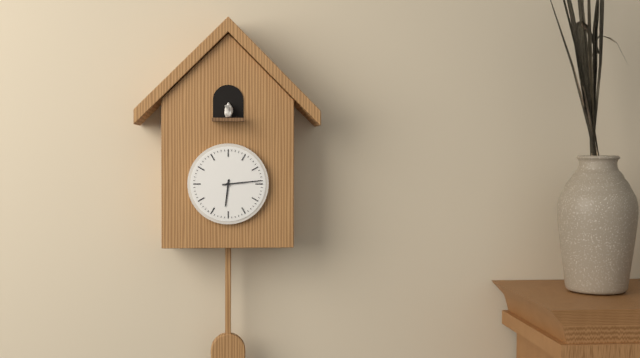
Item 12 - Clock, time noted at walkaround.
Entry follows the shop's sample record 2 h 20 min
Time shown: 6 h 14 min
